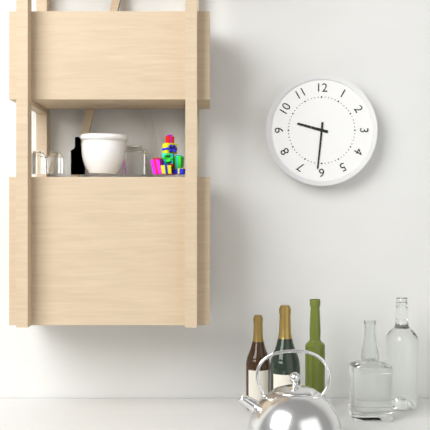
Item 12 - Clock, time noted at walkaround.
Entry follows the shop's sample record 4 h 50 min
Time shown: 9 h 31 min
